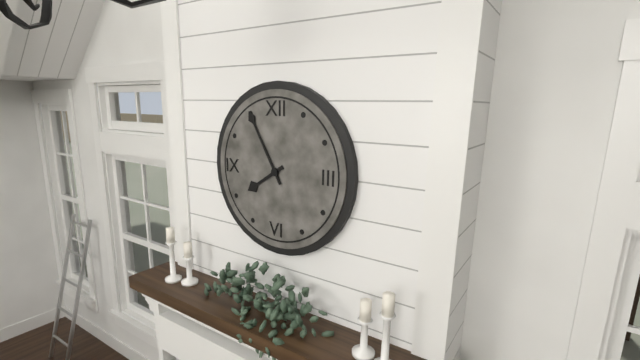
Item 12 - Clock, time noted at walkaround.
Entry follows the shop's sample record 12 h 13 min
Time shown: 7 h 55 min
